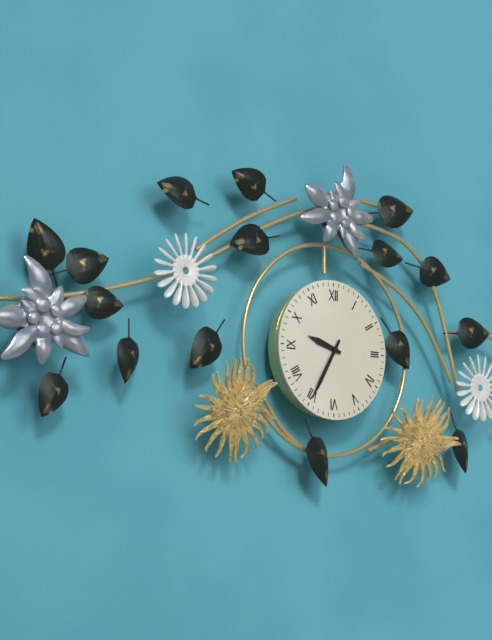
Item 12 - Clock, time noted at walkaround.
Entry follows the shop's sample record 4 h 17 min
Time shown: 9 h 35 min
